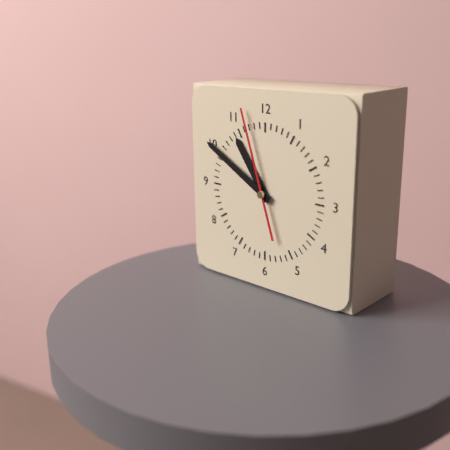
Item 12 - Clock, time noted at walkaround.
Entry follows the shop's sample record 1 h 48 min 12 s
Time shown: 10 h 50 min 57 s
